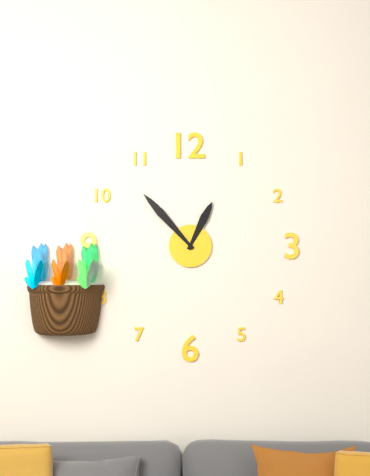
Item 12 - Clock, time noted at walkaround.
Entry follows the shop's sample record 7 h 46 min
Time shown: 12 h 53 min
